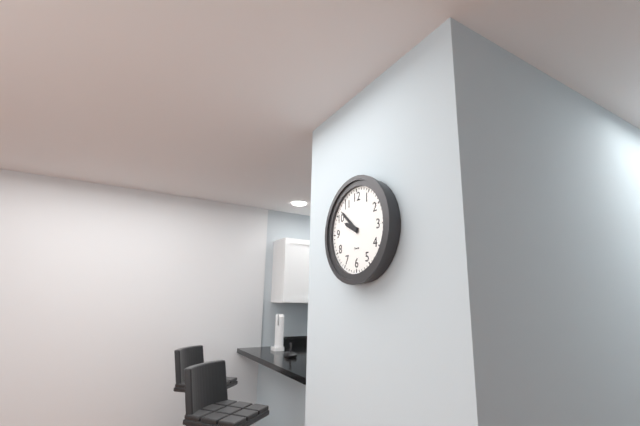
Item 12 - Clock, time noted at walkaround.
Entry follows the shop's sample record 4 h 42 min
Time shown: 9 h 52 min
